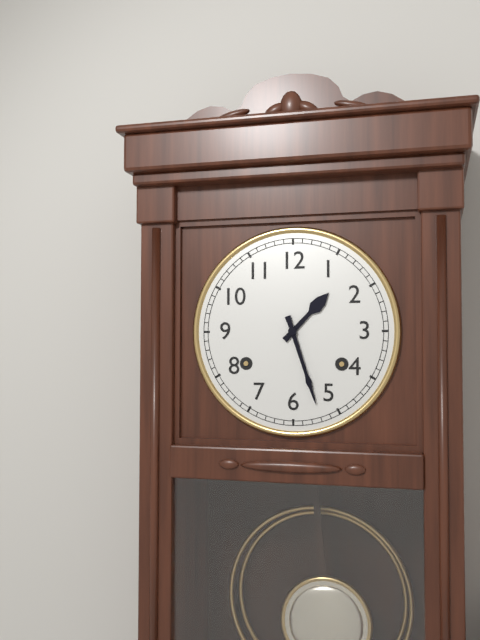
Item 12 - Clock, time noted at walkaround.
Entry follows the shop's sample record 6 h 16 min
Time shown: 1 h 27 min
